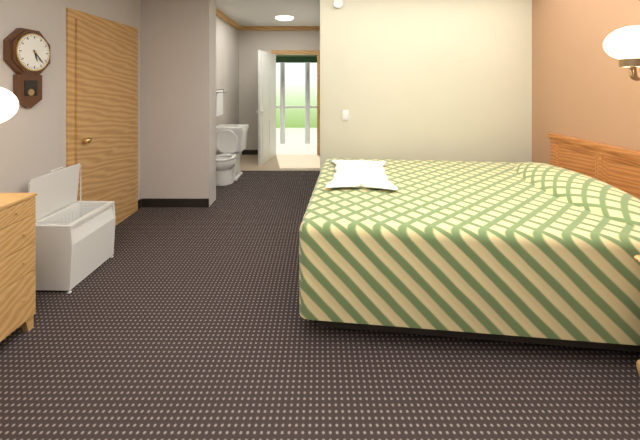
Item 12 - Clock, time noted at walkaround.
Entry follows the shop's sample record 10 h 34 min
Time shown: 5 h 23 min
